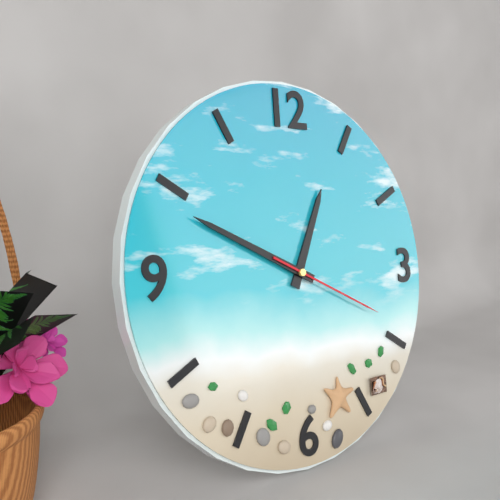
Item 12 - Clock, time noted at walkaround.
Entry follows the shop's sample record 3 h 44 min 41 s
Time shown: 12 h 49 min 19 s
